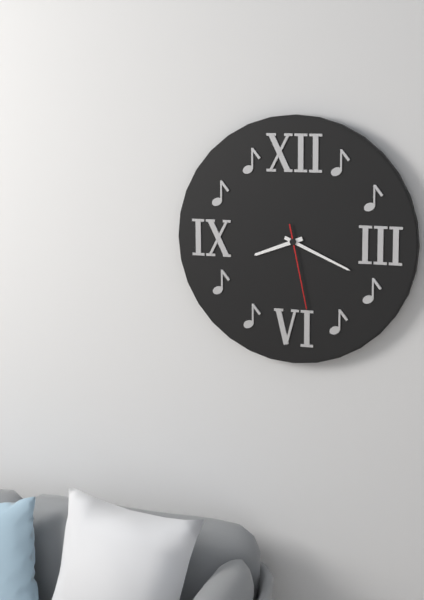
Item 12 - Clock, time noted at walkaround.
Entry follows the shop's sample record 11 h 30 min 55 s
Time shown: 8 h 19 min 28 s
